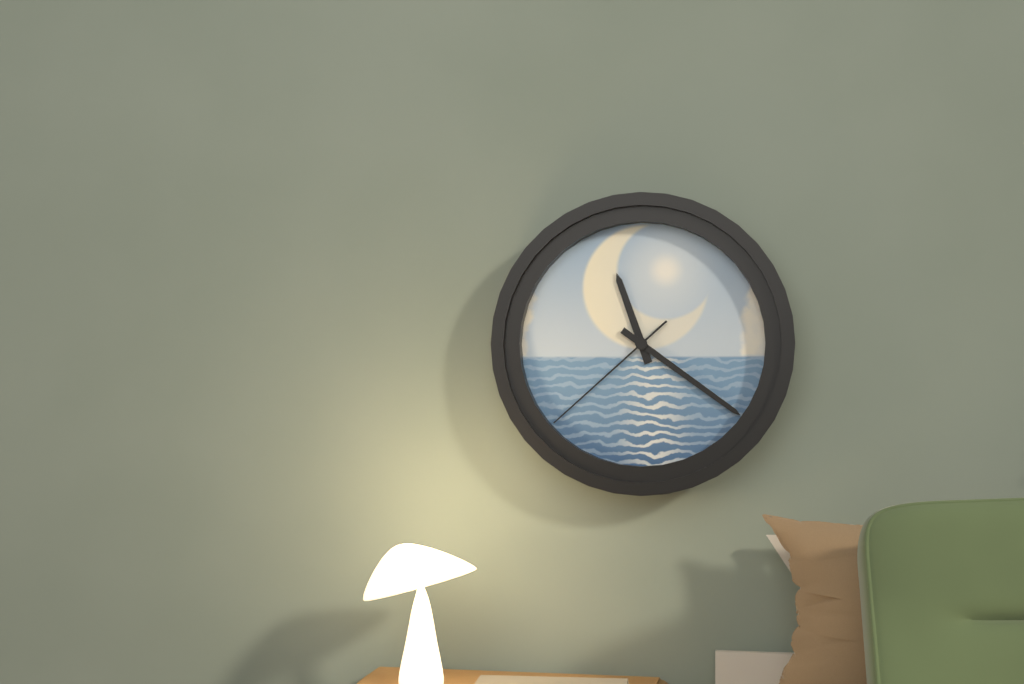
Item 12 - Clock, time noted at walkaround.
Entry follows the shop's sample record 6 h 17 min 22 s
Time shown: 11 h 21 min 38 s
